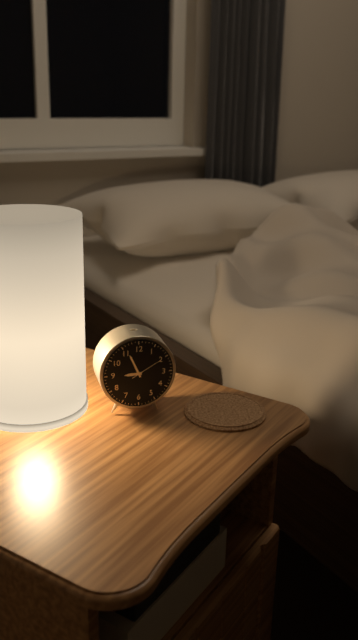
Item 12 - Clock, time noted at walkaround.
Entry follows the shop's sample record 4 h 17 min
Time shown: 8 h 56 min
